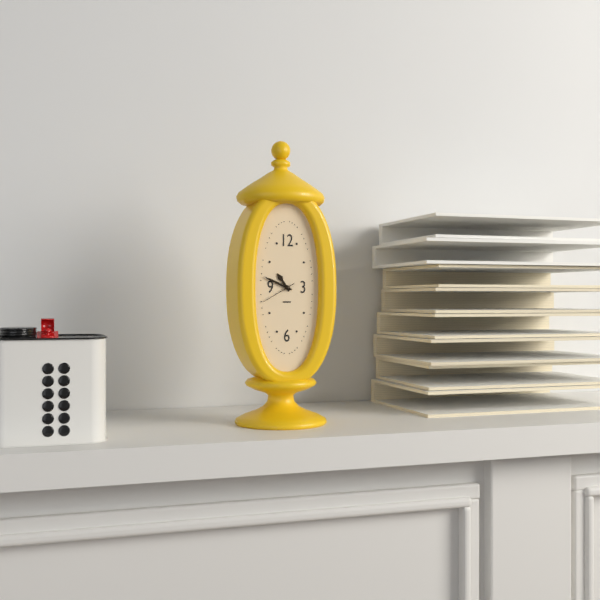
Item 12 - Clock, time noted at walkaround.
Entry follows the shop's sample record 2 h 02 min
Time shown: 10 h 49 min
